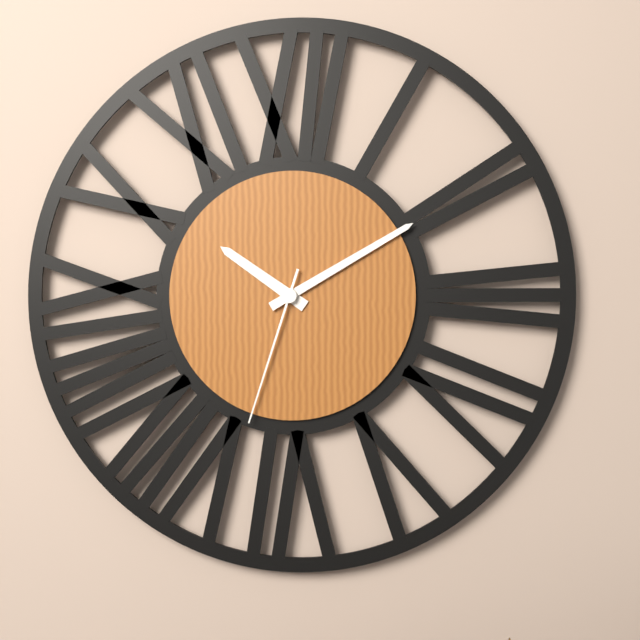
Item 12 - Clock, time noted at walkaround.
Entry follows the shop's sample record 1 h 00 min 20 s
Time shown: 10 h 10 min 33 s
